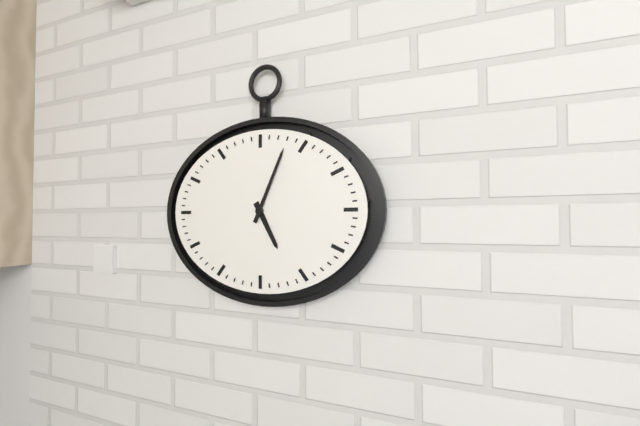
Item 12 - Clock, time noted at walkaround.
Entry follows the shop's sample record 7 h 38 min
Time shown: 5 h 04 min
